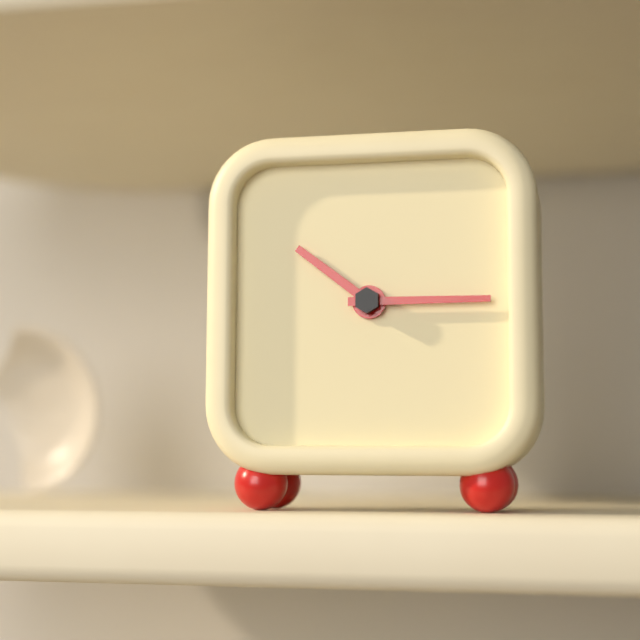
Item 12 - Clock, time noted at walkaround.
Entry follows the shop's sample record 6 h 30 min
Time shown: 10 h 15 min
